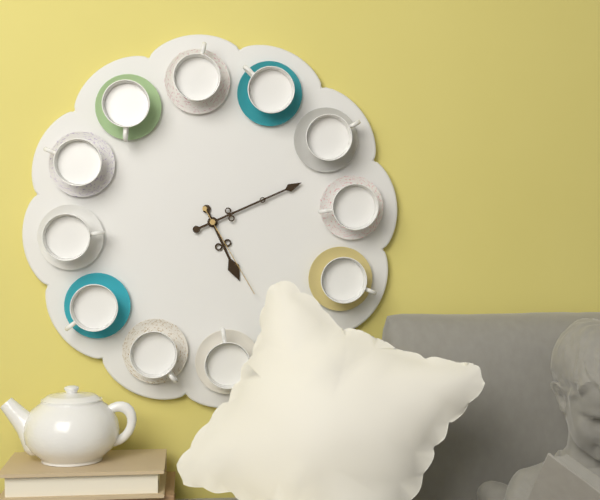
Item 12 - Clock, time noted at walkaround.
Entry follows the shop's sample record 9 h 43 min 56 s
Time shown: 5 h 11 min 25 s
